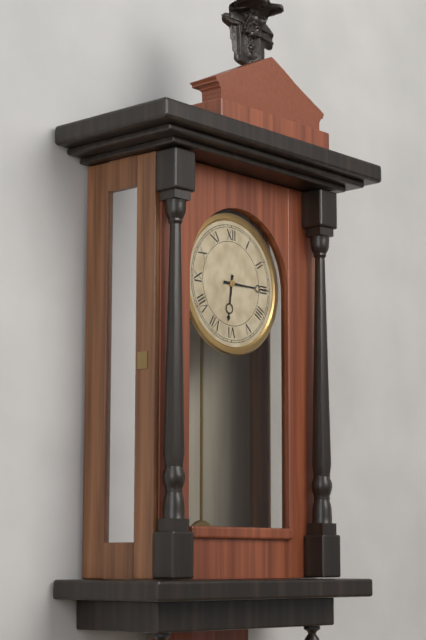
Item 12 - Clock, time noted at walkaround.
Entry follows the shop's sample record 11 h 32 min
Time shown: 6 h 15 min
